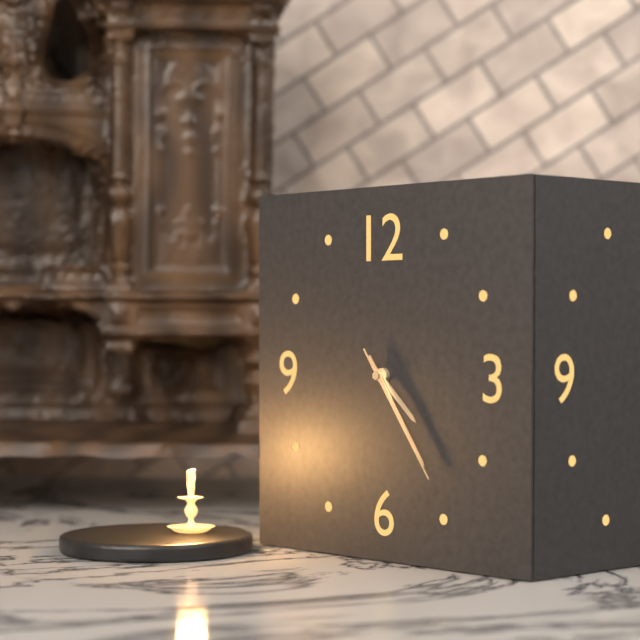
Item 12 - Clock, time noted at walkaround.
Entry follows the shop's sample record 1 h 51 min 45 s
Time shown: 4 h 24 min 24 s
